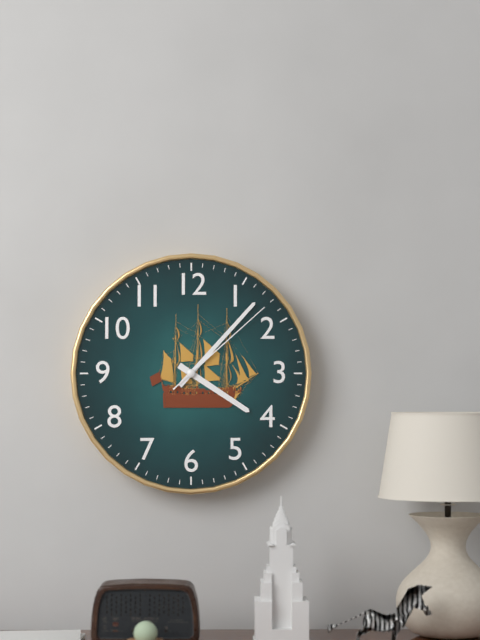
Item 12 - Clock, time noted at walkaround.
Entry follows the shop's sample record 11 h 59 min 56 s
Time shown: 4 h 07 min 08 s
